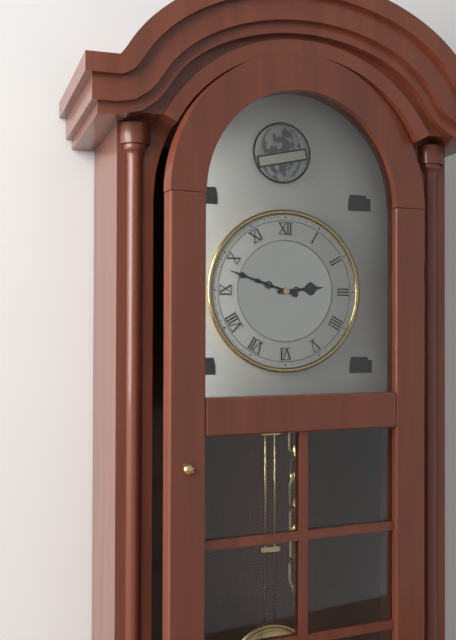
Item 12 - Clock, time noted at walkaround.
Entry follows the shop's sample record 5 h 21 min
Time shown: 2 h 48 min
